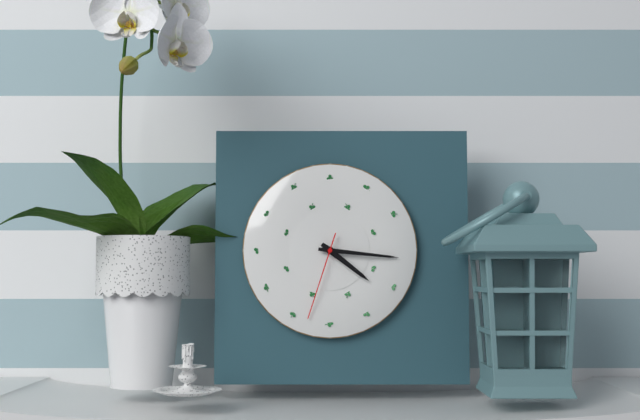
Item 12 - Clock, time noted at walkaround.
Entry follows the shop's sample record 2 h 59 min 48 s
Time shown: 4 h 16 min 33 s
